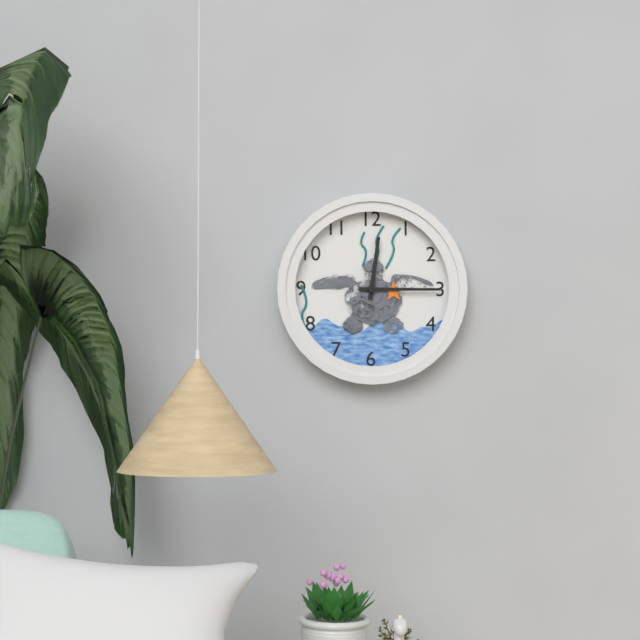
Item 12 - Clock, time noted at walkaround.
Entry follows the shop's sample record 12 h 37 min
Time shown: 12 h 15 min
